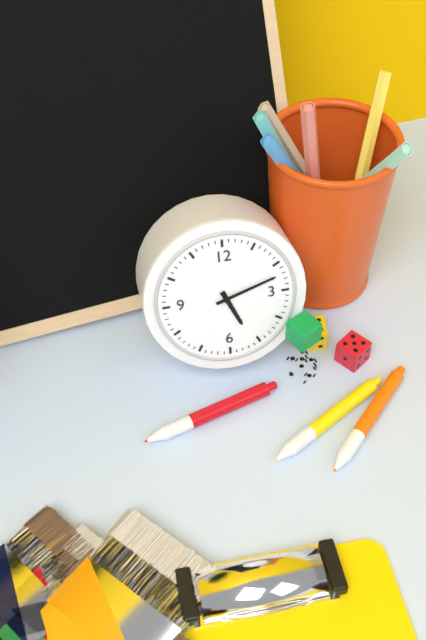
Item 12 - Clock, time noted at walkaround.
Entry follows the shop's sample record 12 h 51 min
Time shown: 5 h 12 min
